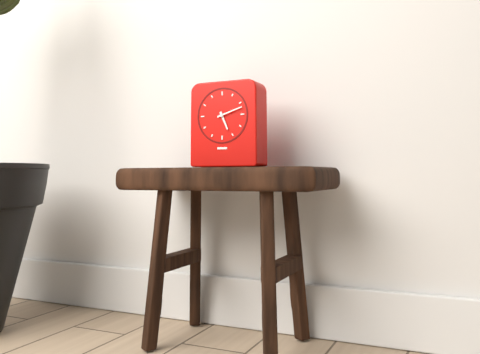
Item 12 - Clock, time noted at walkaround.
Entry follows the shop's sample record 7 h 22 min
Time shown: 5 h 12 min
